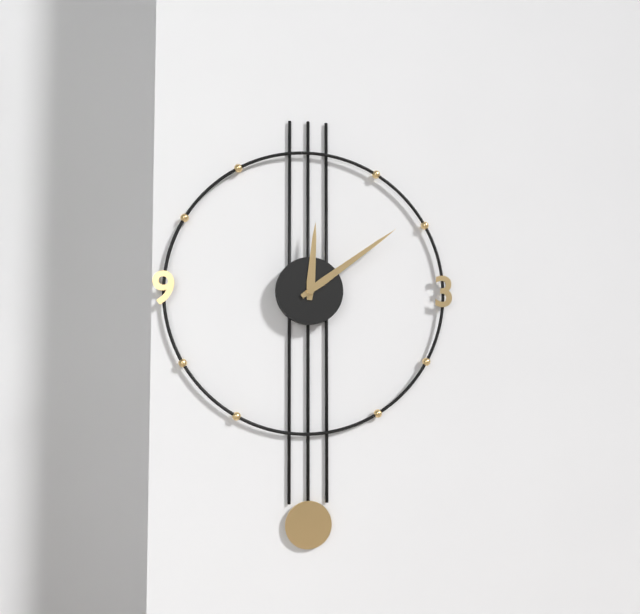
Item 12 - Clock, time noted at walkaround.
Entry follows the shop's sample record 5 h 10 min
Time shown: 12 h 09 min
